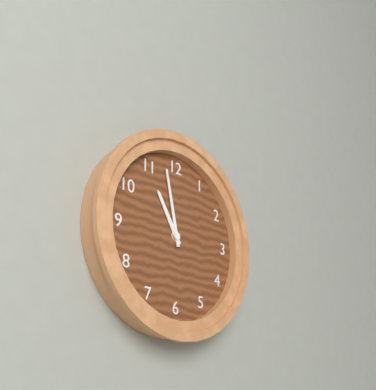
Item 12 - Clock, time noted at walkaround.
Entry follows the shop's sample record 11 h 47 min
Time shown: 10 h 58 min
